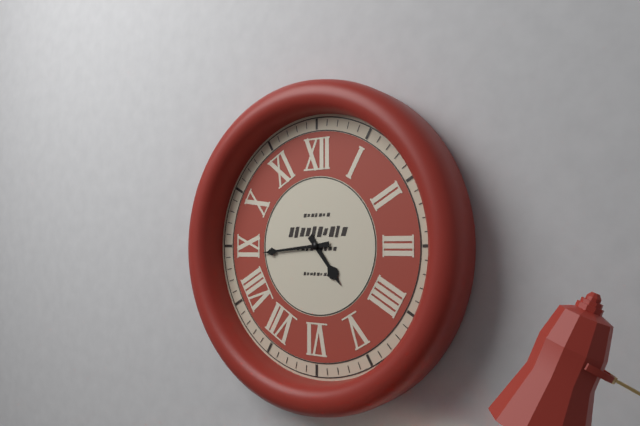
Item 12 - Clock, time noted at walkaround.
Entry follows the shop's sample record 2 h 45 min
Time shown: 4 h 44 min
